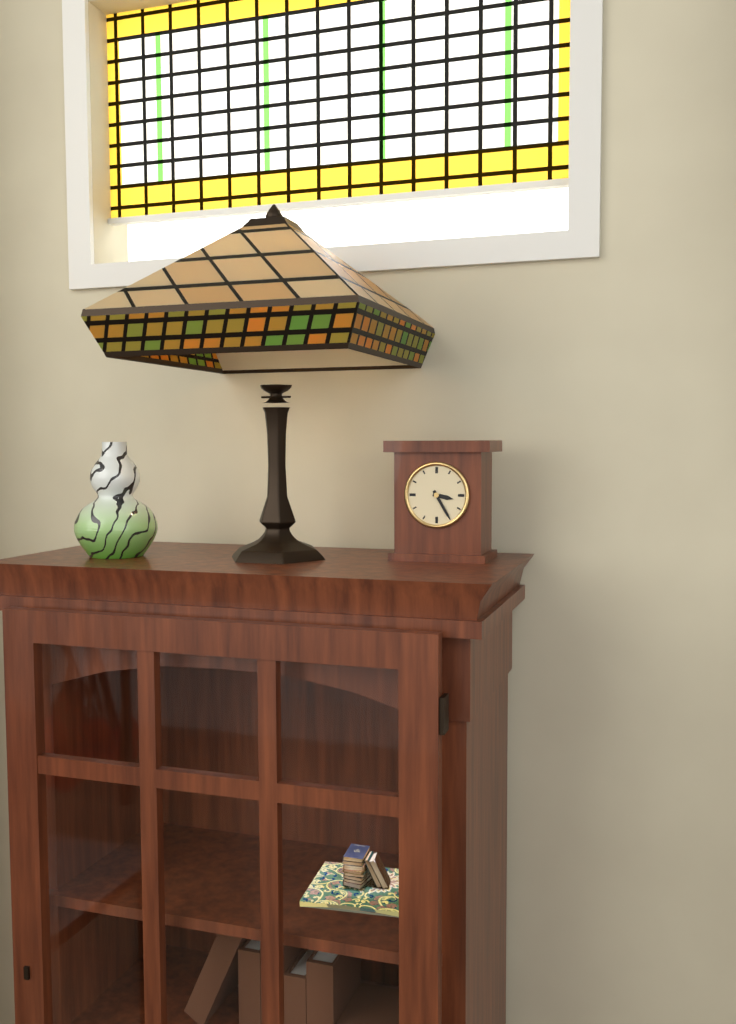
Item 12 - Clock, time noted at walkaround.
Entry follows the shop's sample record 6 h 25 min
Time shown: 3 h 25 min
